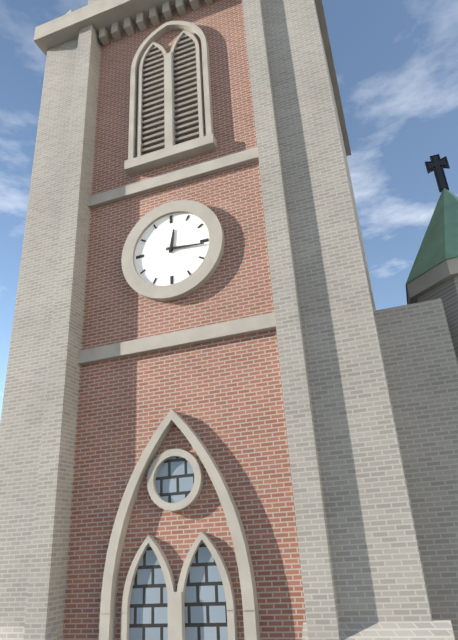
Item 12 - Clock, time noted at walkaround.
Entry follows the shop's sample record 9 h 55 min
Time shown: 12 h 16 min
